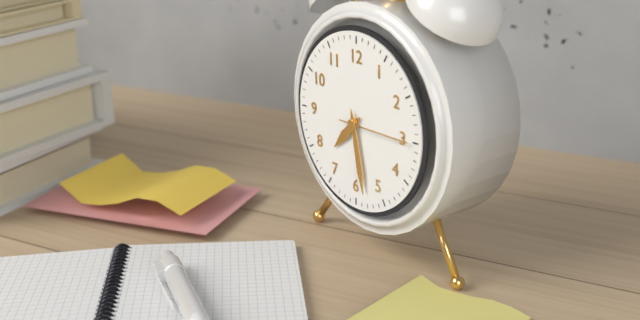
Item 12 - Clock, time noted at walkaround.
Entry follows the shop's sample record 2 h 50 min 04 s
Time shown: 7 h 28 min 15 s
